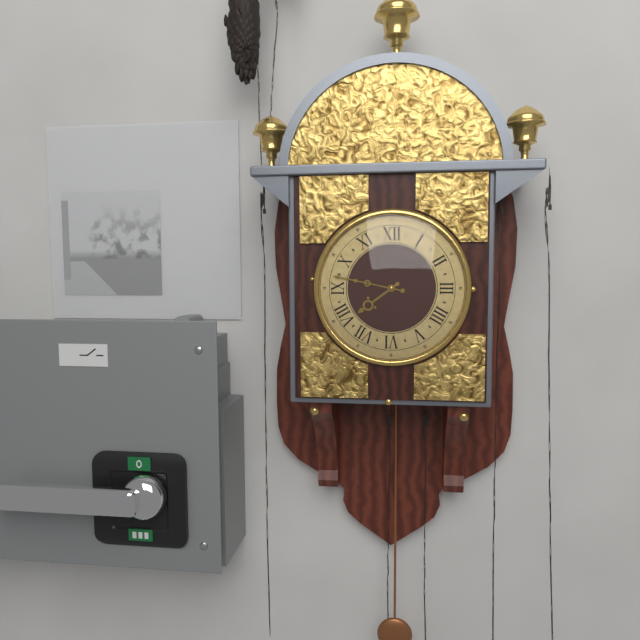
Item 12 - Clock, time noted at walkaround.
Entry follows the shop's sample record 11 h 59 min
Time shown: 7 h 47 min
